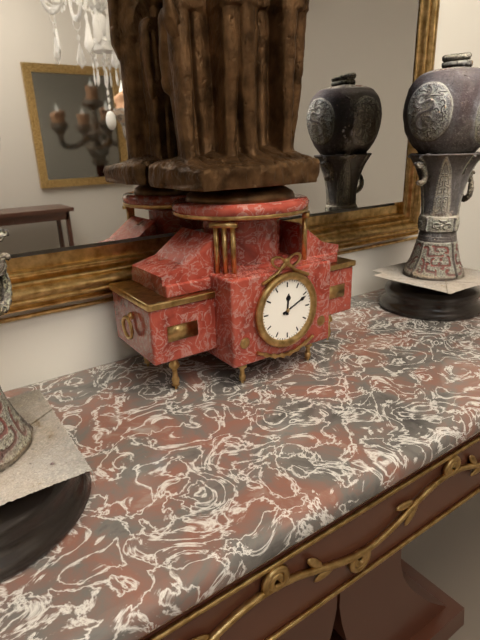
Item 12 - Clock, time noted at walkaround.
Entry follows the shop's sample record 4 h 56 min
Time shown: 12 h 11 min
